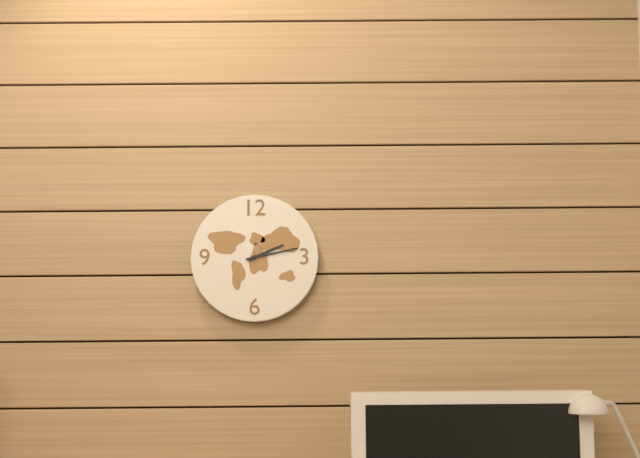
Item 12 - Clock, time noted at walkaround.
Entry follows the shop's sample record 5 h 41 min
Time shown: 2 h 13 min
